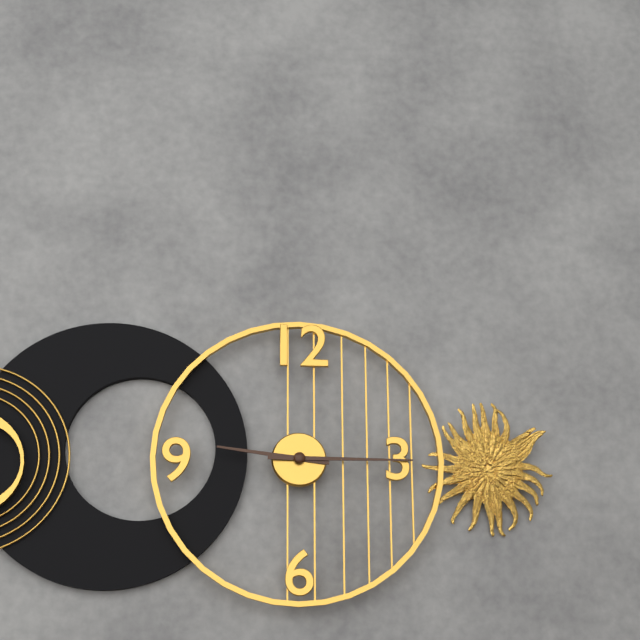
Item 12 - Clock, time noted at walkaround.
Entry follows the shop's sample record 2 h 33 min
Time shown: 9 h 15 min
